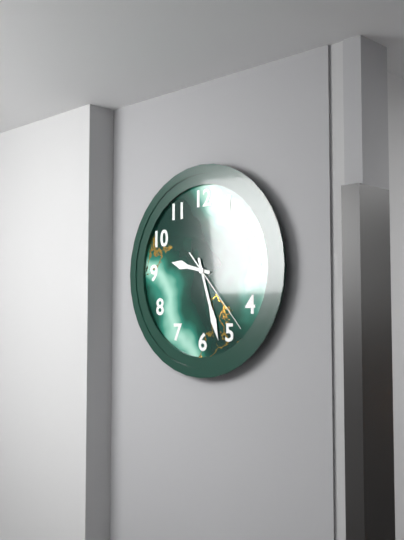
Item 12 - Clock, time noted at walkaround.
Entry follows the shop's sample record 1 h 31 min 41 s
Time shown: 9 h 27 min 23 s
